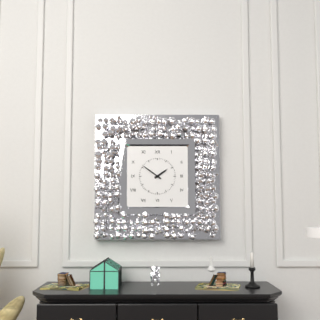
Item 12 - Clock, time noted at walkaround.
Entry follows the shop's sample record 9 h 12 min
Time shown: 1 h 51 min
